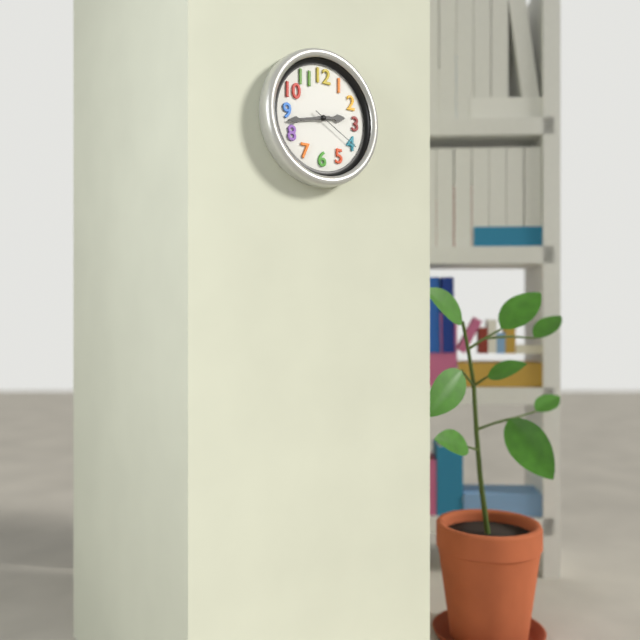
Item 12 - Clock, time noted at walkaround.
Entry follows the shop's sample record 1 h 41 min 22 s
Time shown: 2 h 43 min 20 s
